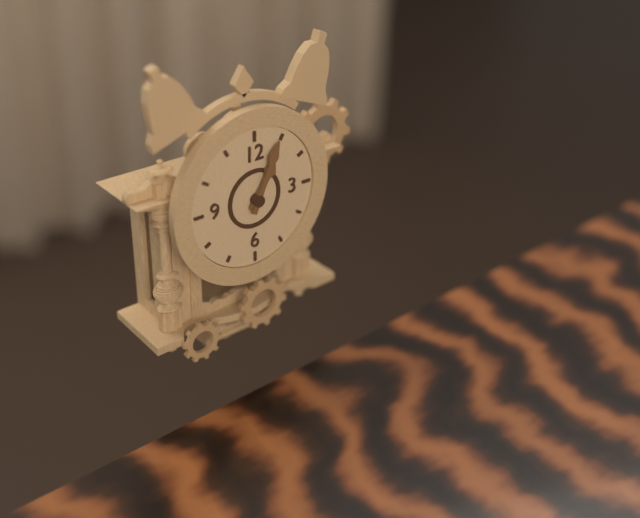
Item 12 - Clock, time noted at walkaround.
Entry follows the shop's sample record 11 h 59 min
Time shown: 1 h 04 min
